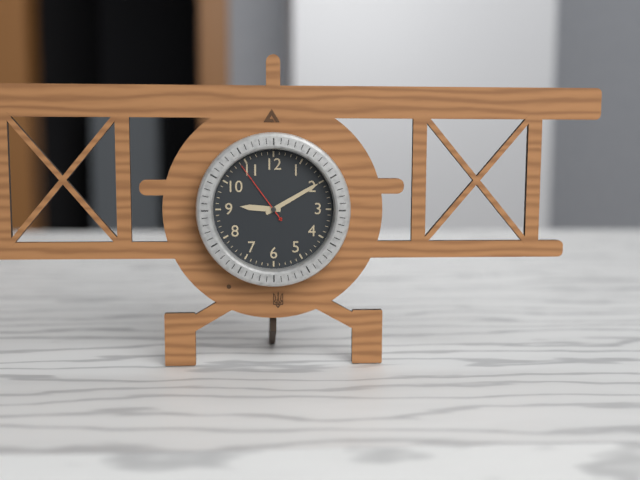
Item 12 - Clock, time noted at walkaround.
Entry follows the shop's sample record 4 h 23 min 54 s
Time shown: 9 h 10 min 54 s
